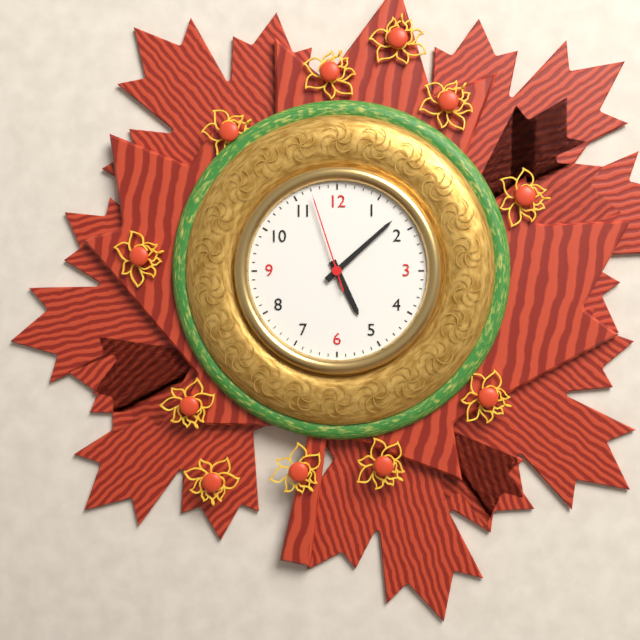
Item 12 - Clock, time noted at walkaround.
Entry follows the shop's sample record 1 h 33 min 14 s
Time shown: 5 h 08 min 57 s
